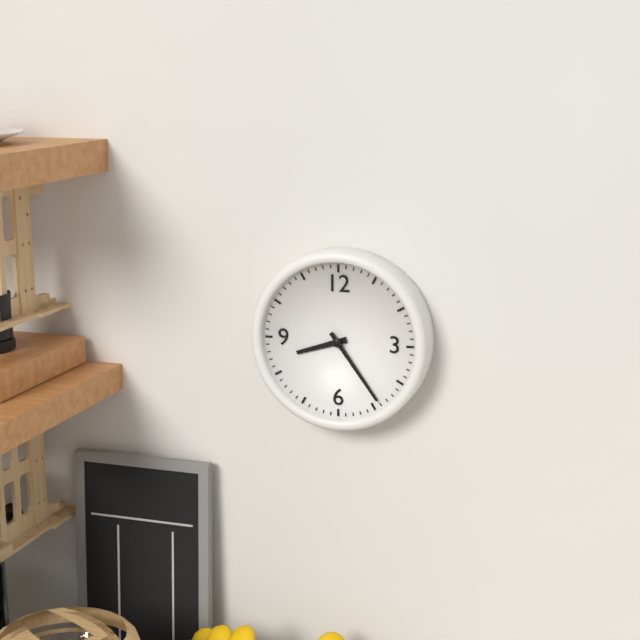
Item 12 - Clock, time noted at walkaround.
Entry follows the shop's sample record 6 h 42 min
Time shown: 8 h 24 min
